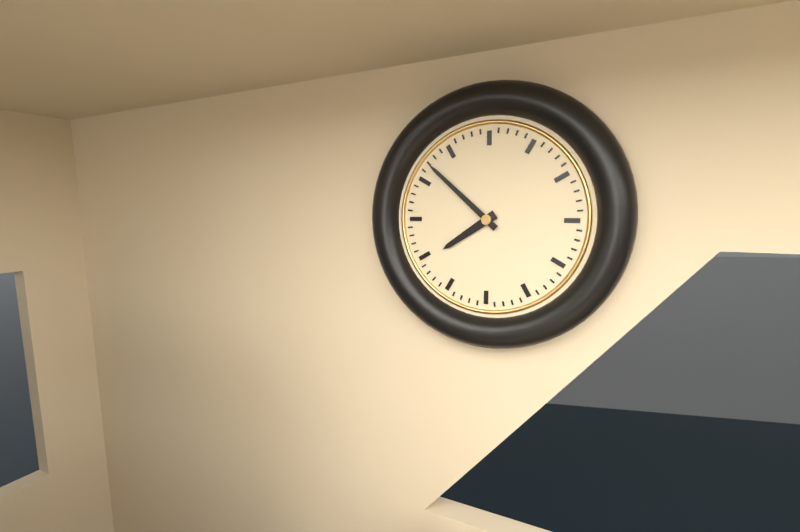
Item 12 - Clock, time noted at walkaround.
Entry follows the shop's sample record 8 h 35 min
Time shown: 7 h 52 min
